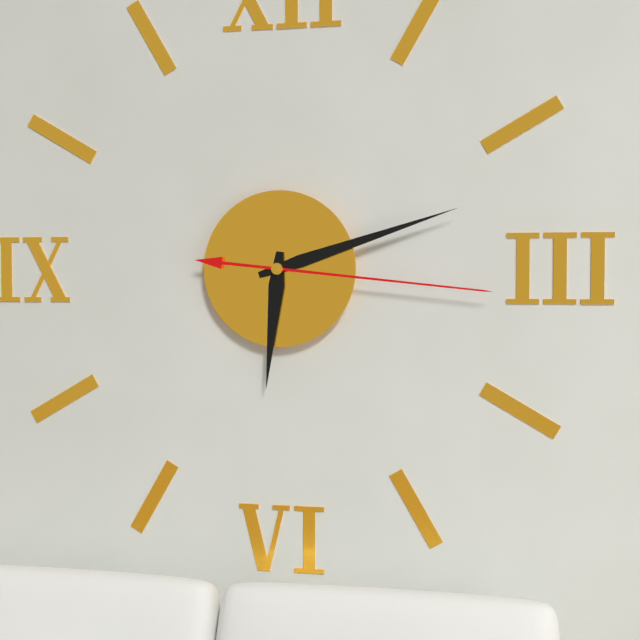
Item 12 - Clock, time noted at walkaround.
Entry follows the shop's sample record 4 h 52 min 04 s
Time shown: 6 h 12 min 16 s
